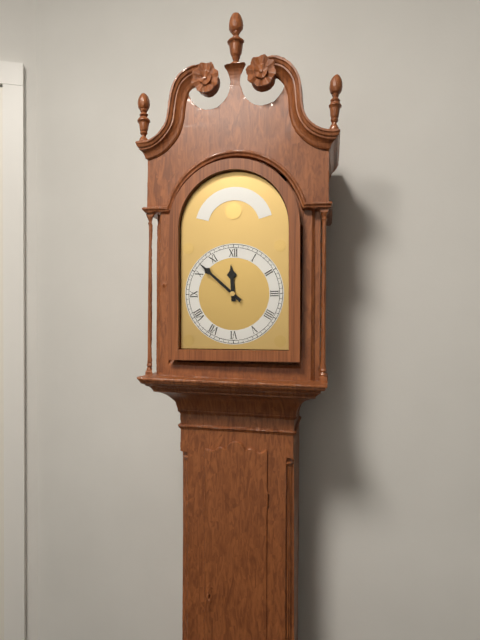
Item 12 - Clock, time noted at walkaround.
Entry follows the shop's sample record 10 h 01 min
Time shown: 11 h 52 min
